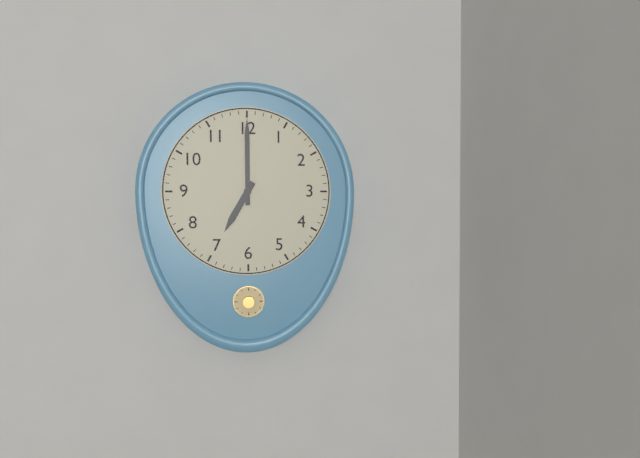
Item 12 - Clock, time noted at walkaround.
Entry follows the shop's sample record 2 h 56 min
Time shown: 7 h 00 min
